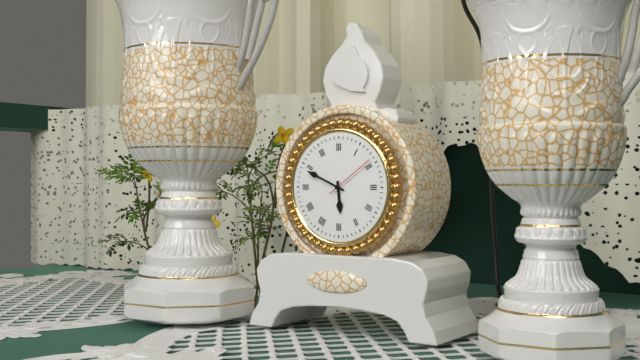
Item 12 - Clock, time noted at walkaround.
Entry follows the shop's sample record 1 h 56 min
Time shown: 5 h 49 min
